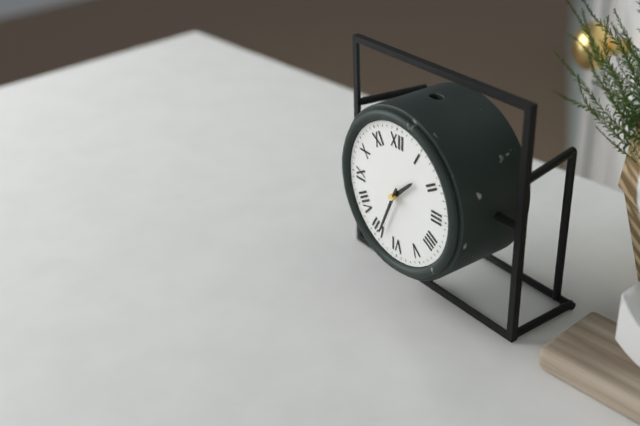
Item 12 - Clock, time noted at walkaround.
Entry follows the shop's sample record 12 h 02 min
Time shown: 1 h 34 min
